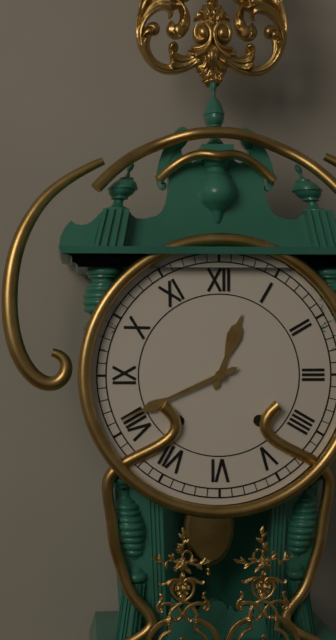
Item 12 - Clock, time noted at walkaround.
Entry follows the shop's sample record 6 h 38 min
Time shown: 12 h 41 min
